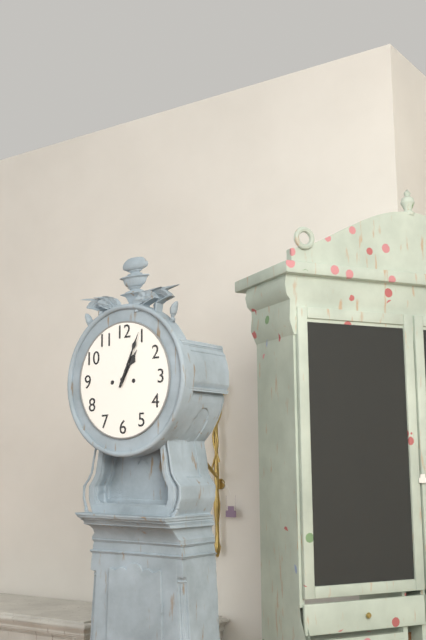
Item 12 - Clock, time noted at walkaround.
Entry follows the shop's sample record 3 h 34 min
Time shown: 1 h 04 min
